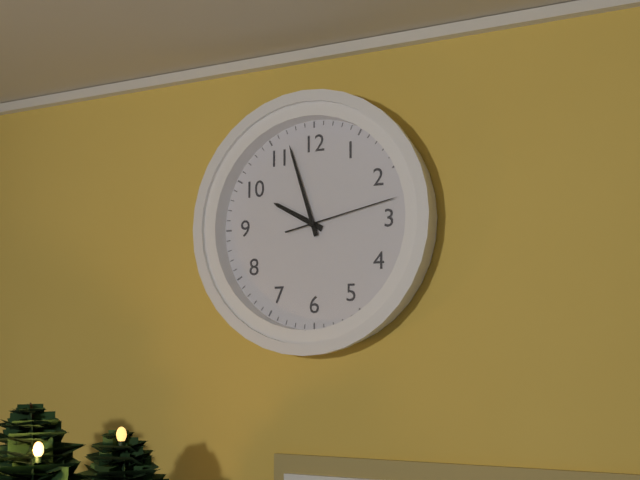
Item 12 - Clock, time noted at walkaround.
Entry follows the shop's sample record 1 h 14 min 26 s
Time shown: 9 h 57 min 13 s
